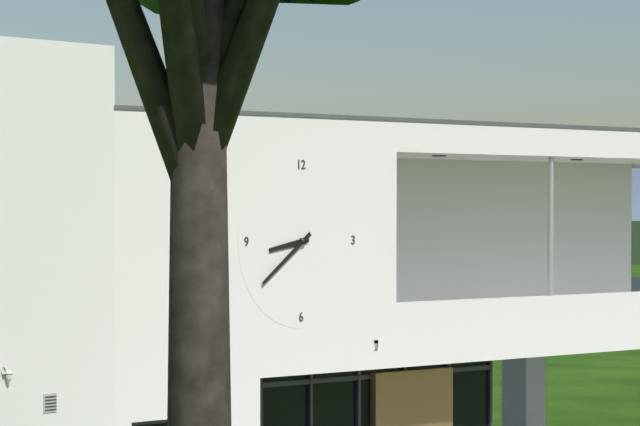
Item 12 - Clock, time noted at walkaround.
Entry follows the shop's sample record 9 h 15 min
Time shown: 8 h 39 min
